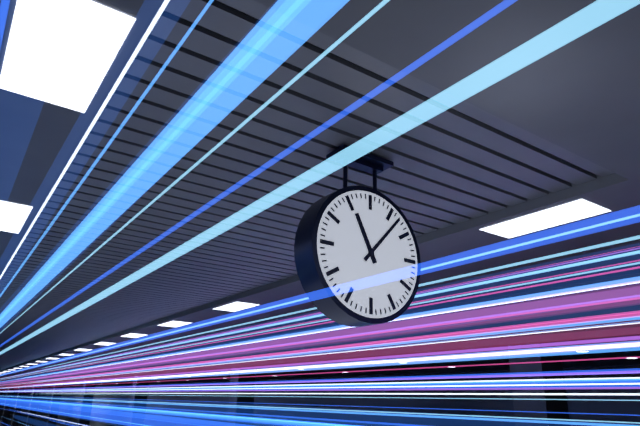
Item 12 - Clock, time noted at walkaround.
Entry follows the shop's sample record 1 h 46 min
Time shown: 11 h 07 min
